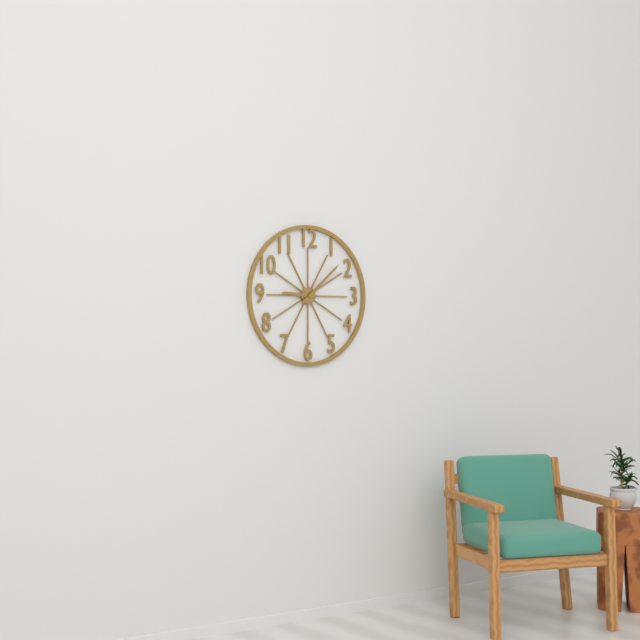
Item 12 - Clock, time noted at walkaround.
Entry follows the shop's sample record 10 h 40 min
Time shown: 9 h 08 min
